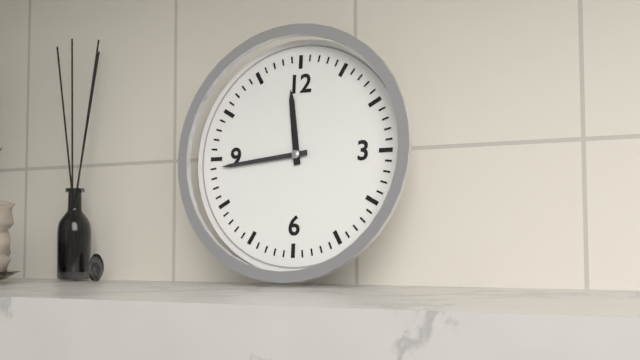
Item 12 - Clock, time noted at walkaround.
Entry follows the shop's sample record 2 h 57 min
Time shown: 11 h 44 min
